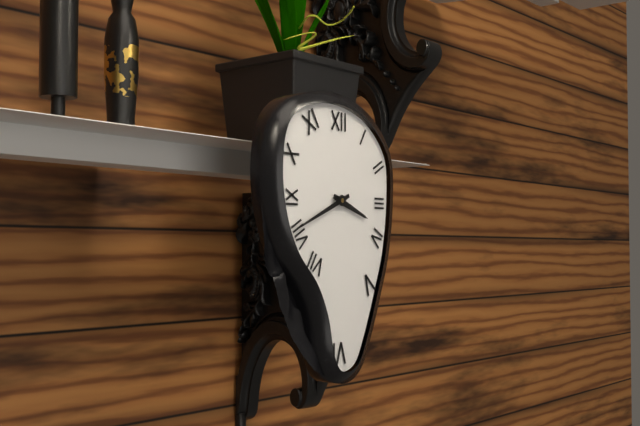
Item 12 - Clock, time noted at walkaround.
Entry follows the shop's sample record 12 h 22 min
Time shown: 3 h 41 min
